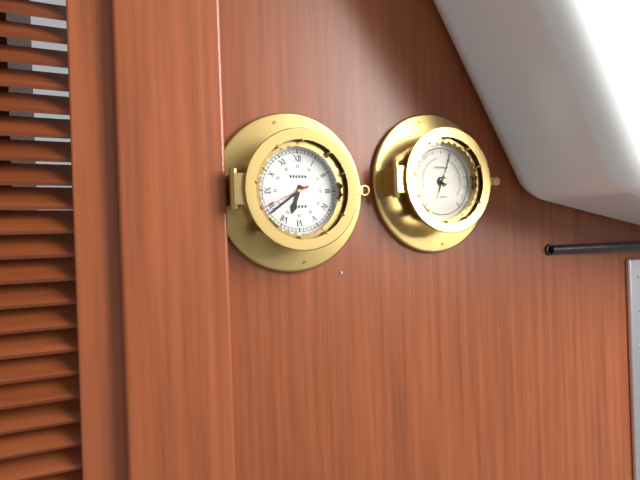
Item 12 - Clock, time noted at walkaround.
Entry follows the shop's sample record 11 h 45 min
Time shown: 6 h 39 min
